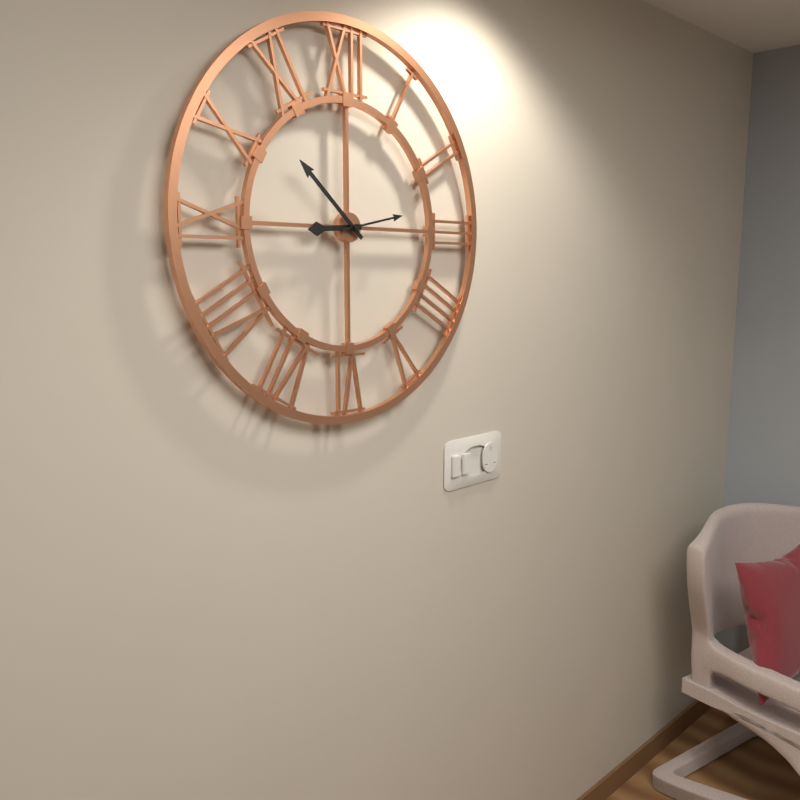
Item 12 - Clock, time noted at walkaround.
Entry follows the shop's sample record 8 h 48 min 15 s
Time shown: 8 h 52 min 13 s
